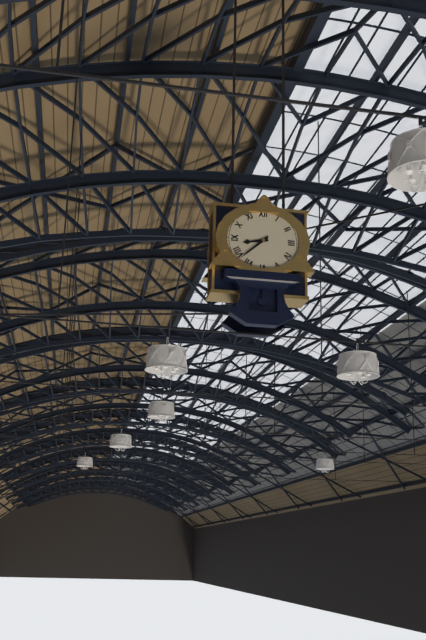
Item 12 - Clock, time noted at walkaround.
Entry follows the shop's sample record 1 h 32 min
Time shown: 8 h 38 min
